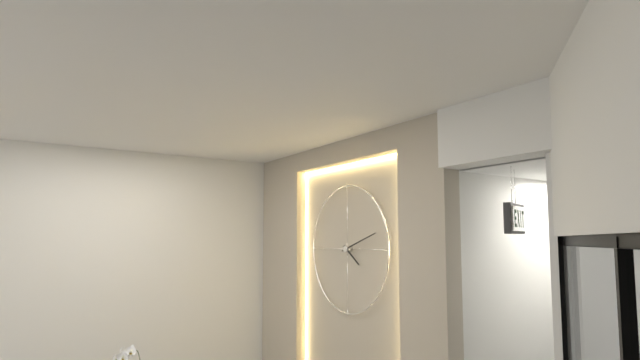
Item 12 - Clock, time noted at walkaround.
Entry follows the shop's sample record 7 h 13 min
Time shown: 4 h 12 min
